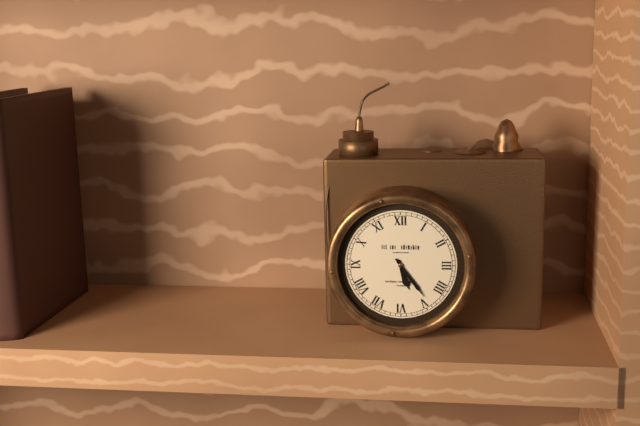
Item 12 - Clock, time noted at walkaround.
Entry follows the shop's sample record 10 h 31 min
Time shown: 5 h 24 min
